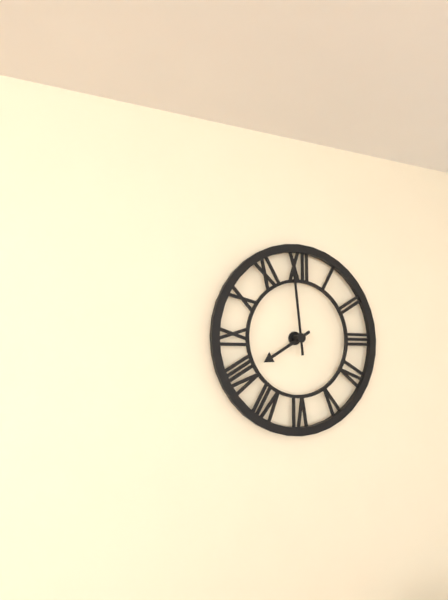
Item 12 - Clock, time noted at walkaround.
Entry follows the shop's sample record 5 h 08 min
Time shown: 7 h 59 min
